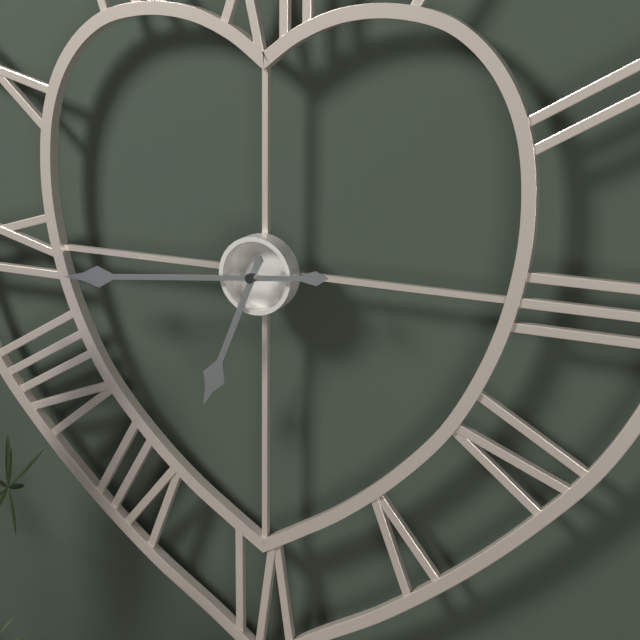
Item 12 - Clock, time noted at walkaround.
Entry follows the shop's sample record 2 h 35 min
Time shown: 6 h 44 min
